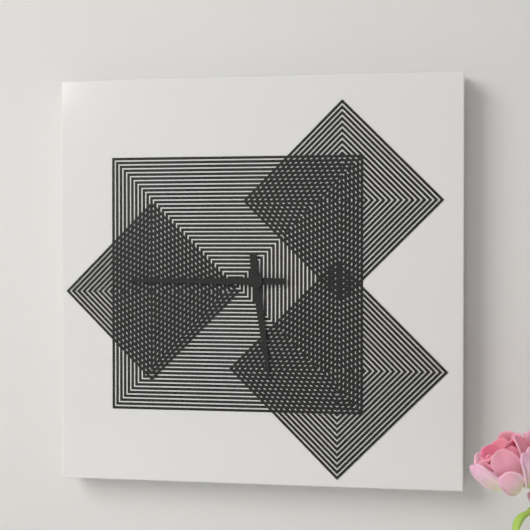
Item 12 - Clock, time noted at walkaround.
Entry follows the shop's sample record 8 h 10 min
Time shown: 5 h 45 min
